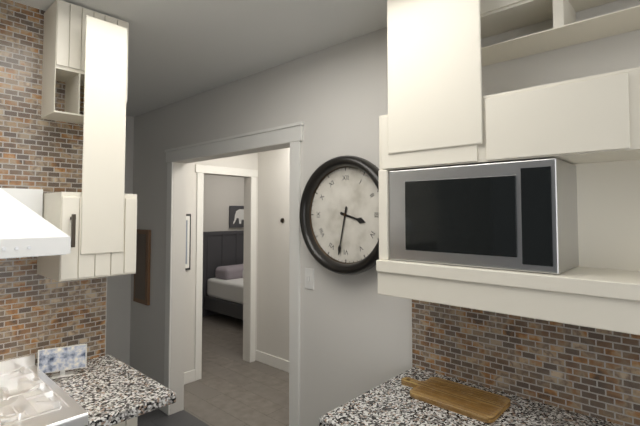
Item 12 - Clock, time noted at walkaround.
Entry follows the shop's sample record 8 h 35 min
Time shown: 3 h 32 min
